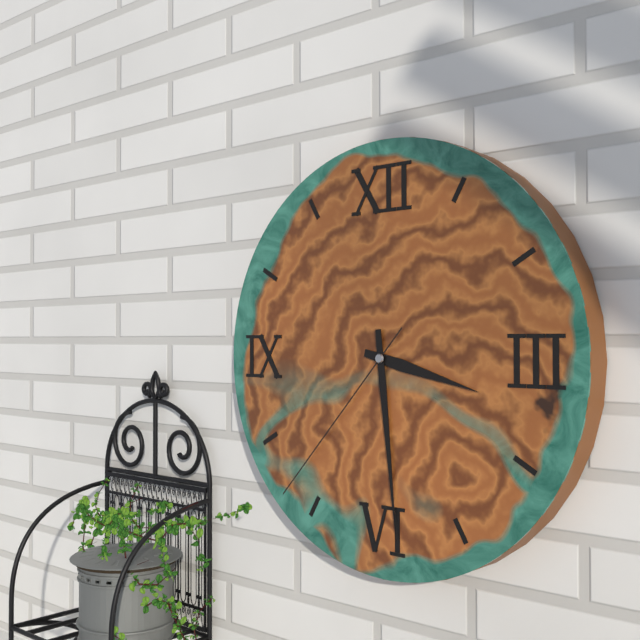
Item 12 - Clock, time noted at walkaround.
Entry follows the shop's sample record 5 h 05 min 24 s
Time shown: 3 h 29 min 37 s
